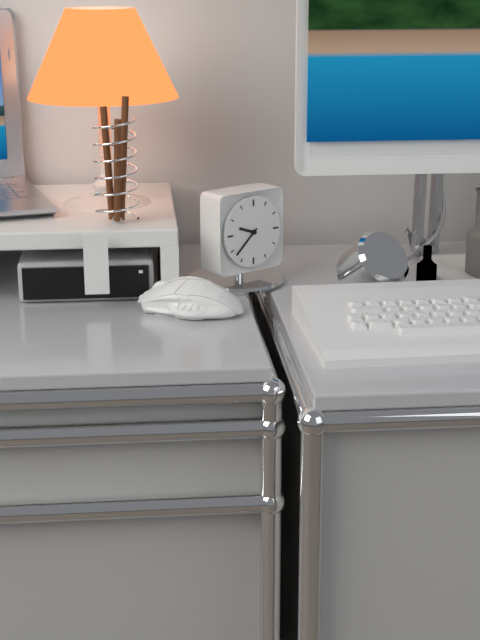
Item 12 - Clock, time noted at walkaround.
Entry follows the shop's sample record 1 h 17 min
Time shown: 9 h 38 min
